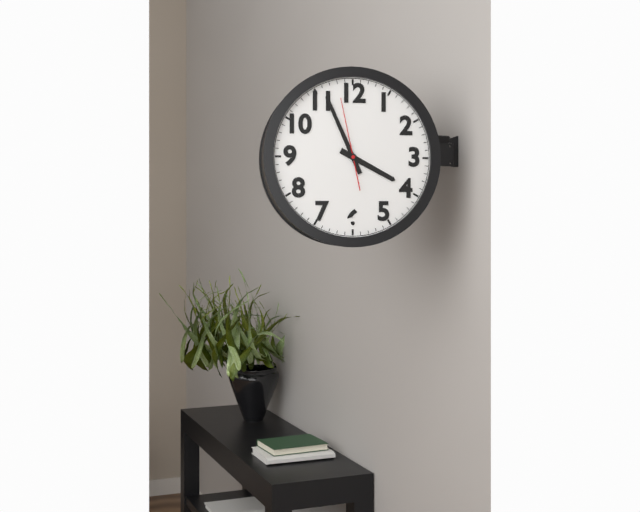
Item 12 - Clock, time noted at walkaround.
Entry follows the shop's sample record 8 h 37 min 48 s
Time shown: 3 h 56 min 58 s
